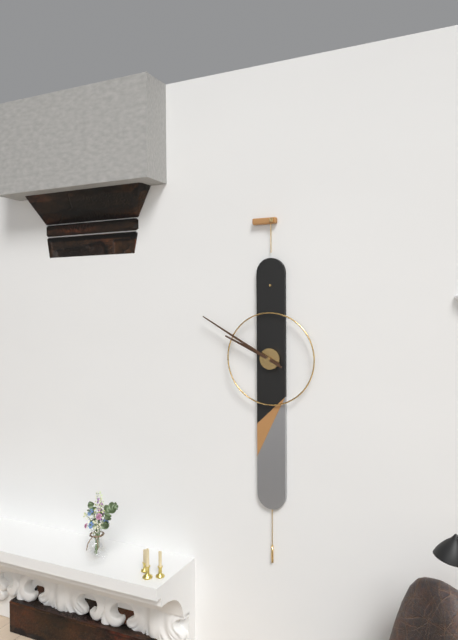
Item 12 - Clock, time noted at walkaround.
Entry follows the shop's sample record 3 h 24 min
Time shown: 9 h 50 min
